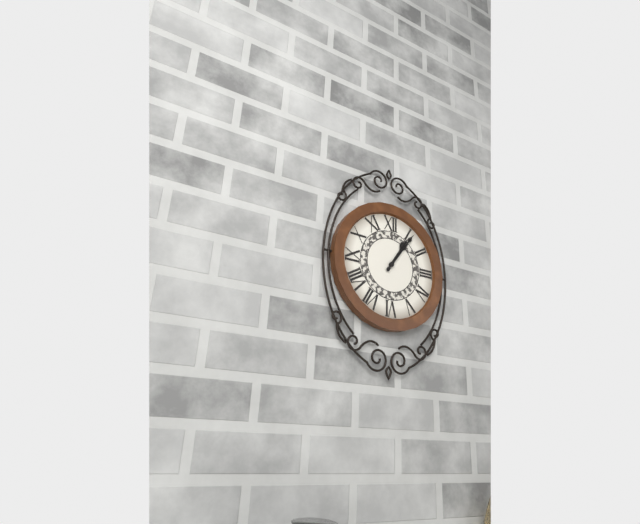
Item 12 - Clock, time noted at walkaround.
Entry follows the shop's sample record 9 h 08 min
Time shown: 1 h 06 min
